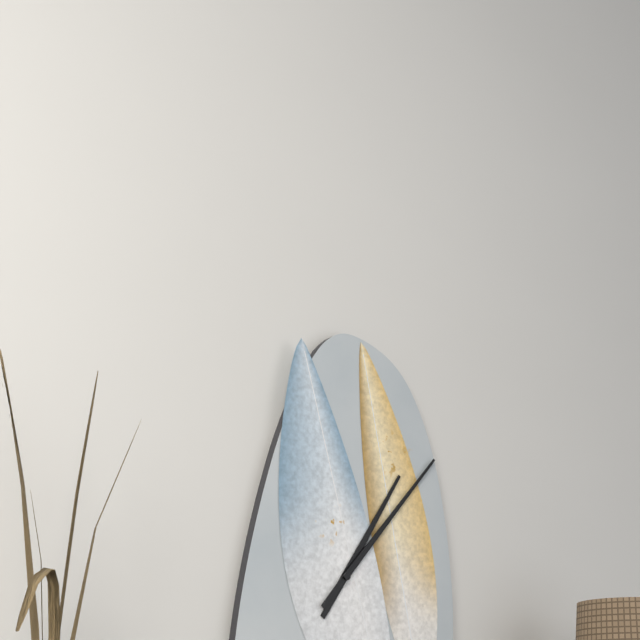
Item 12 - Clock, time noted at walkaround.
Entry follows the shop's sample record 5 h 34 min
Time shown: 1 h 07 min
